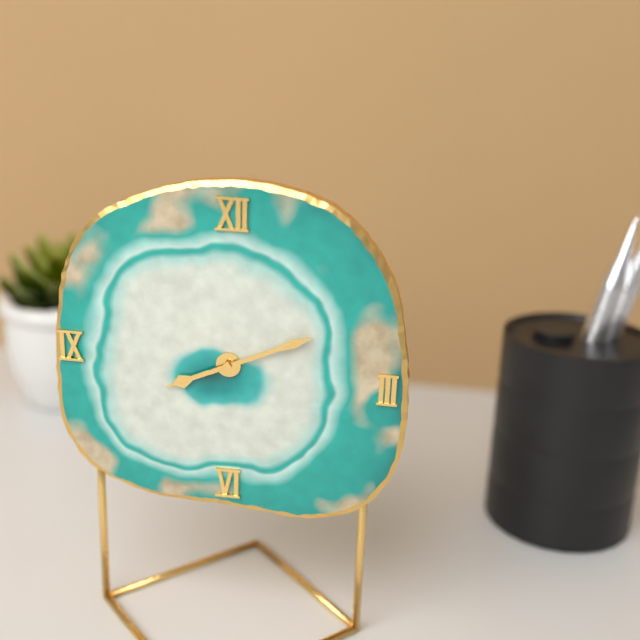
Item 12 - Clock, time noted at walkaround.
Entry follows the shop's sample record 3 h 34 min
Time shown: 8 h 11 min
